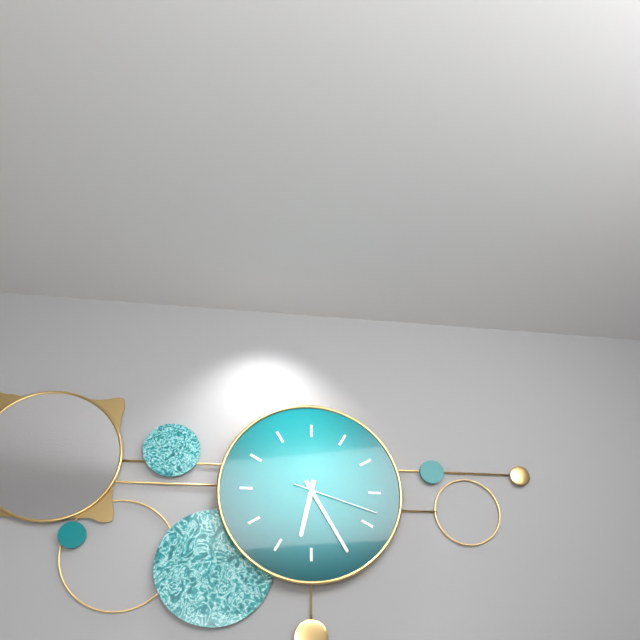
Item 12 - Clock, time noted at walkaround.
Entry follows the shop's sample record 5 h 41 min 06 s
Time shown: 6 h 25 min 18 s
